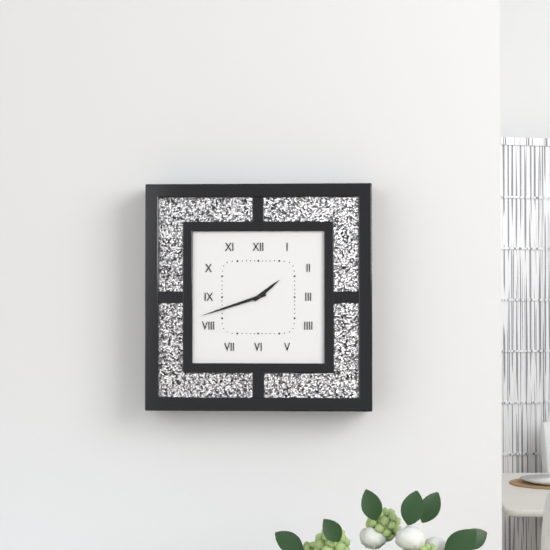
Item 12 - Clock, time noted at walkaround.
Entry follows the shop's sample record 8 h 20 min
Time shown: 1 h 42 min
